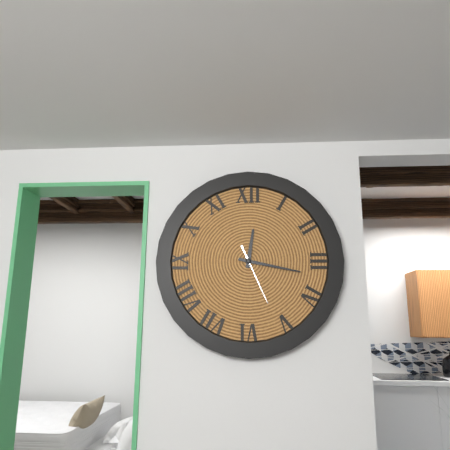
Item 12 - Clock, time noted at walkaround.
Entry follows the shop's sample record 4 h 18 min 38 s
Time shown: 12 h 17 min 26 s
